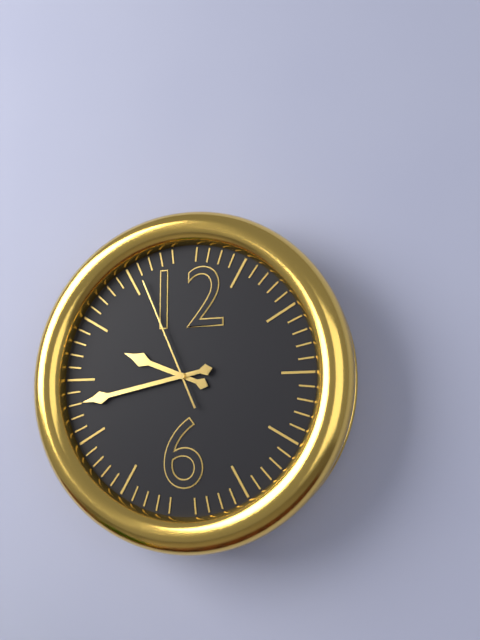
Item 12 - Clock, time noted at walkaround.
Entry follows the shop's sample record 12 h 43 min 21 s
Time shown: 9 h 43 min 56 s
